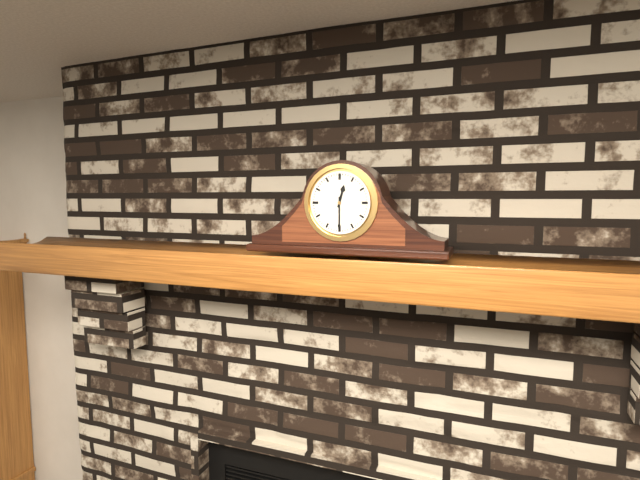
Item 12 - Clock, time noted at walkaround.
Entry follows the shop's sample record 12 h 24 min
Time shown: 12 h 30 min
